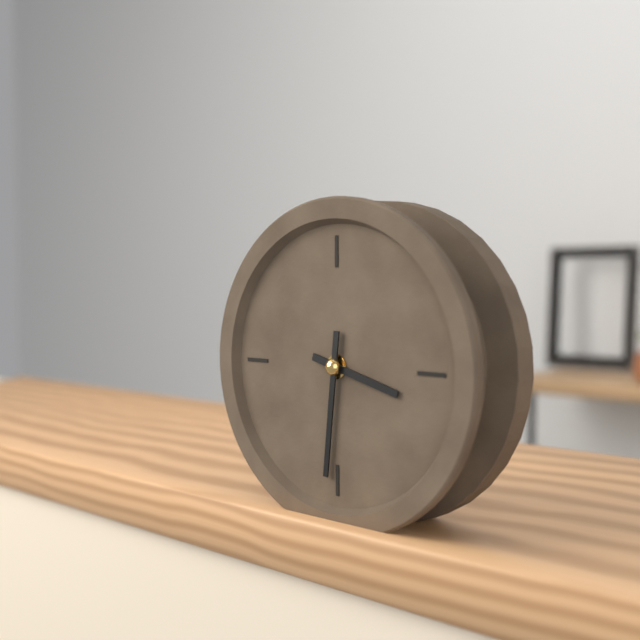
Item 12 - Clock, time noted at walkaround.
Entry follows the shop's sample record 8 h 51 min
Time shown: 3 h 31 min
